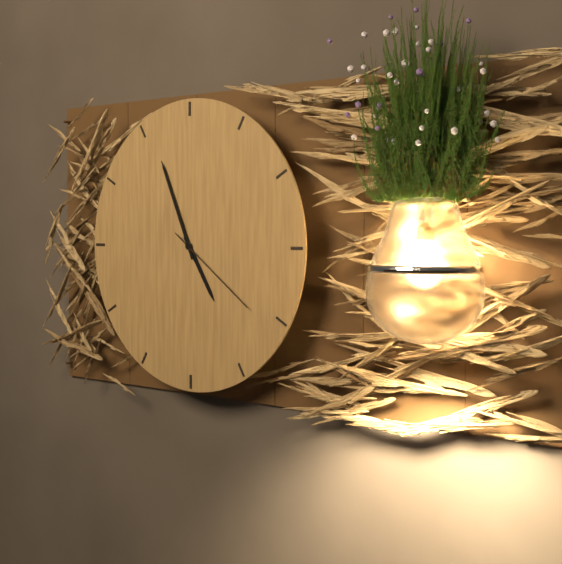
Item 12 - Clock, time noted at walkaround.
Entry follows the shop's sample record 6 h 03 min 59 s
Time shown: 4 h 56 min 21 s
